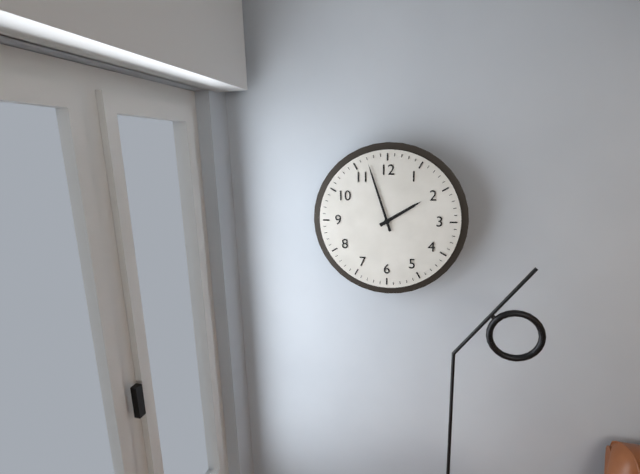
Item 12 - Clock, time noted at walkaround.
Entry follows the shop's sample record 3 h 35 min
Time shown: 1 h 57 min
